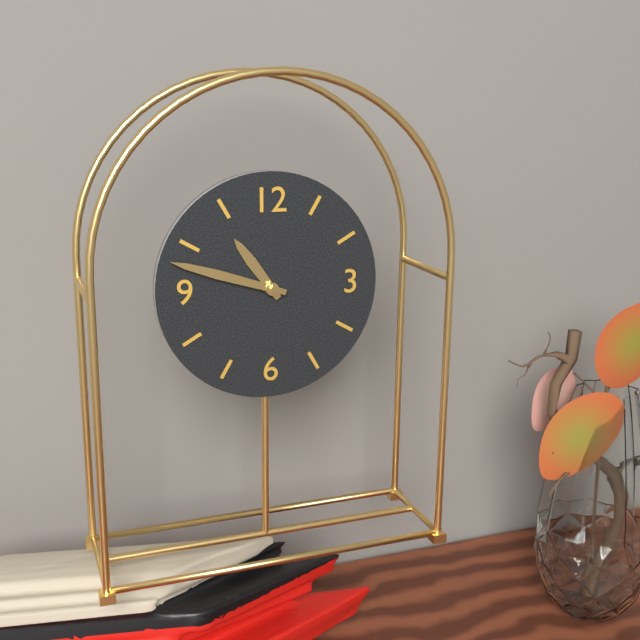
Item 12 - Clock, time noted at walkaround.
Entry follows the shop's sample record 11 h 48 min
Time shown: 10 h 48 min
